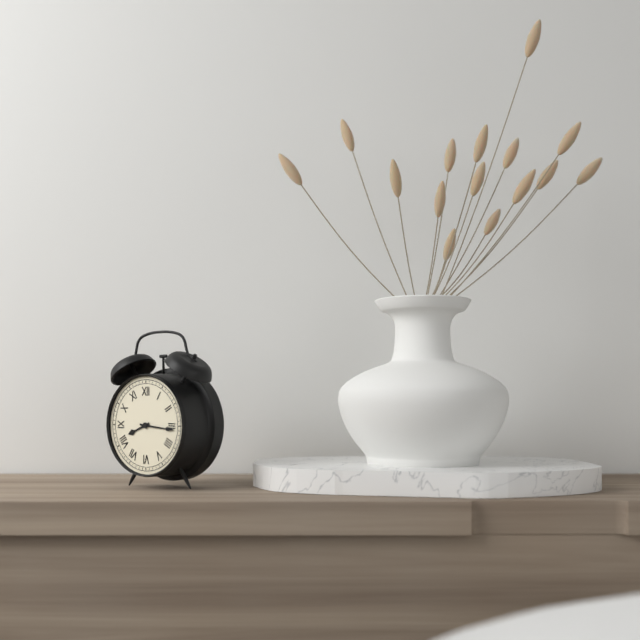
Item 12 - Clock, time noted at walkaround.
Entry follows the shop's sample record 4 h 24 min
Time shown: 8 h 16 min
